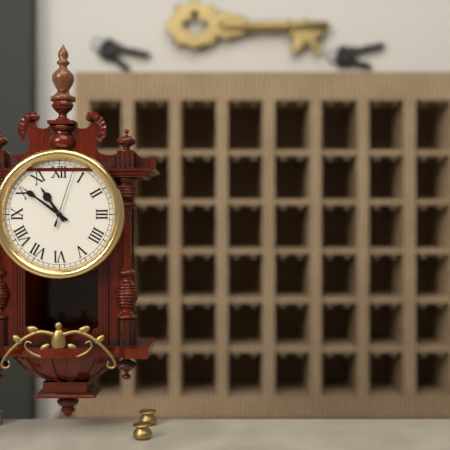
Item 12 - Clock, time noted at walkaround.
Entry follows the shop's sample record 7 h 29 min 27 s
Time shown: 10 h 51 min 03 s
